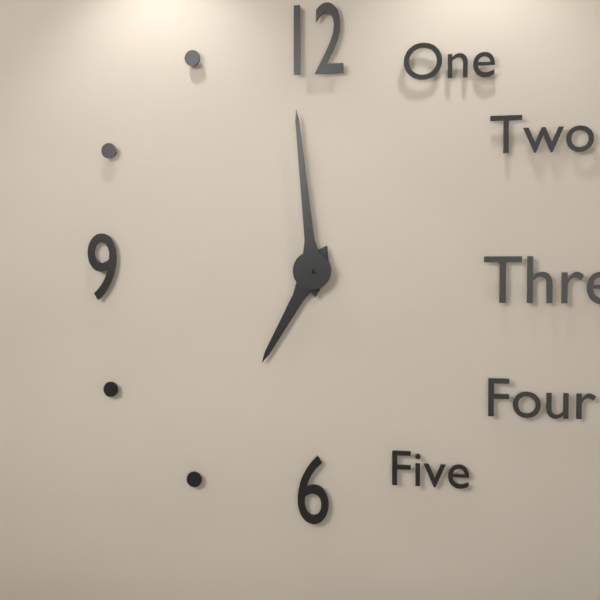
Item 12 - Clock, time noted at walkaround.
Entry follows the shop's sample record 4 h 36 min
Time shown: 6 h 59 min
